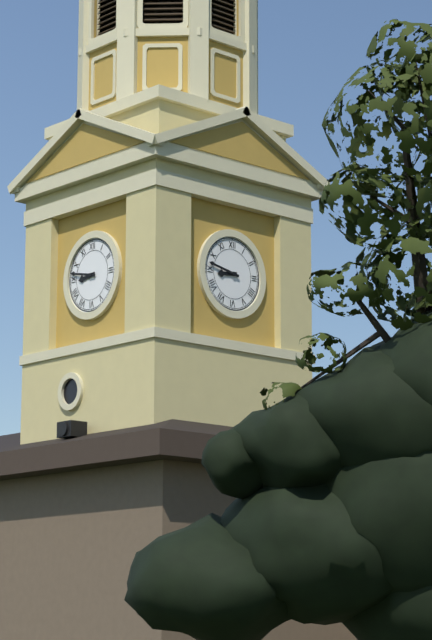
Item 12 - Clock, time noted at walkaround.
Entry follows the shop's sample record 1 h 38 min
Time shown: 8 h 47 min
